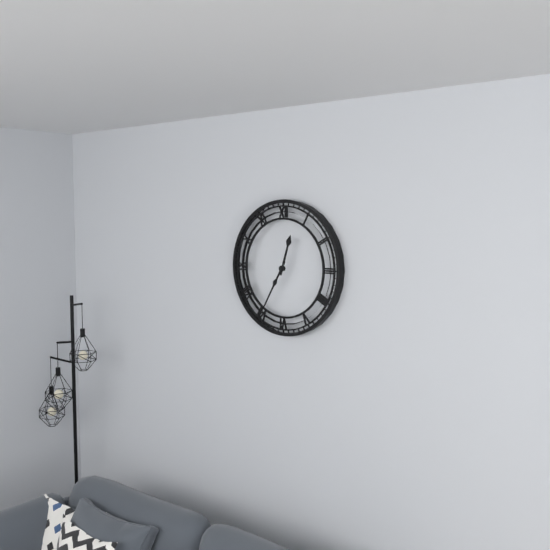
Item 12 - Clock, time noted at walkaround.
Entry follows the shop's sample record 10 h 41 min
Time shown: 12 h 35 min
